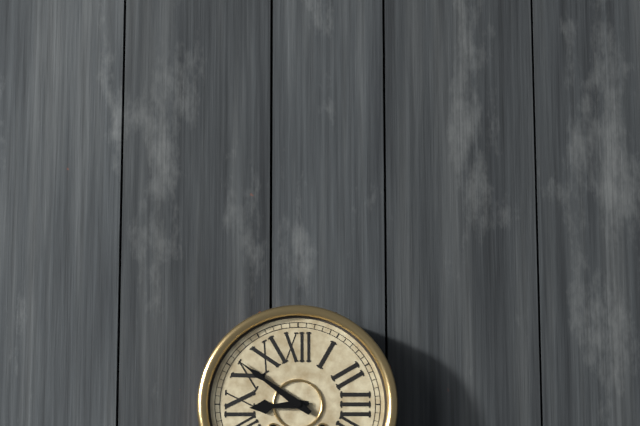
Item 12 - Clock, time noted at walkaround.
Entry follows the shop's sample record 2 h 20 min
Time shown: 8 h 51 min
